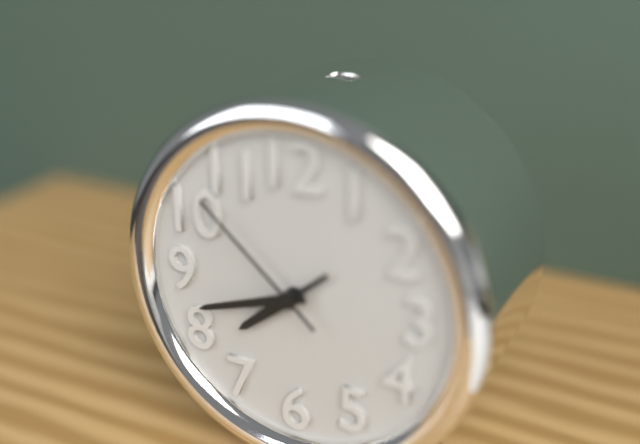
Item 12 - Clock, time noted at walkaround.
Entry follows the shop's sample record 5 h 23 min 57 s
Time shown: 7 h 42 min 52 s
